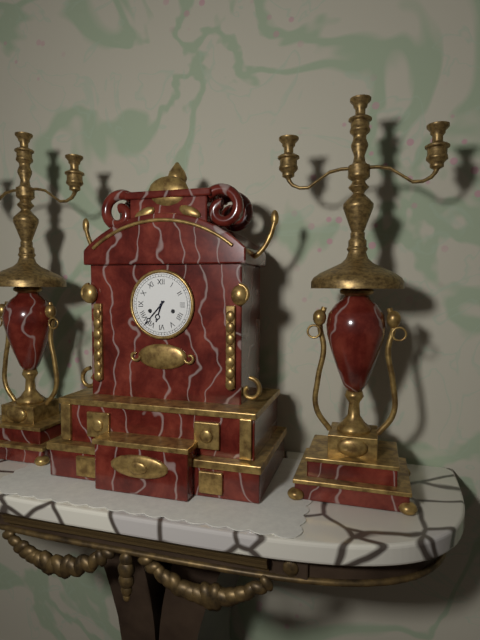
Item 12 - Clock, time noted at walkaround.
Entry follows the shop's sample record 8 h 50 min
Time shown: 6 h 37 min
